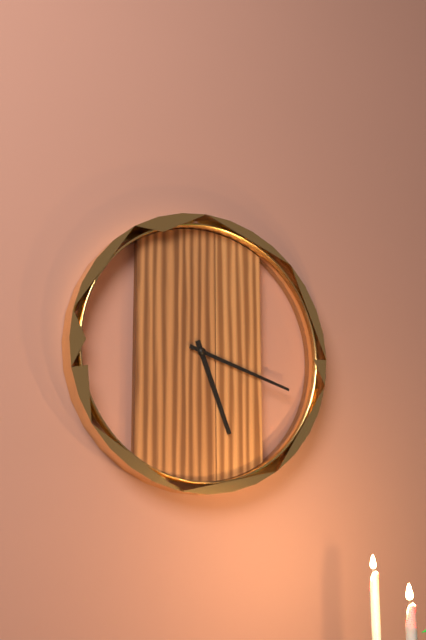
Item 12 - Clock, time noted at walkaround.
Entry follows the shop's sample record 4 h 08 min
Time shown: 5 h 18 min
